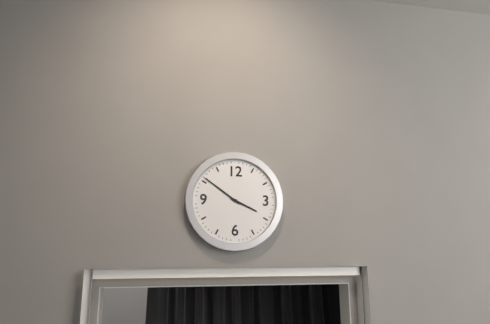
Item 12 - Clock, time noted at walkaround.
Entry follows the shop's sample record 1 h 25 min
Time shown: 3 h 51 min
